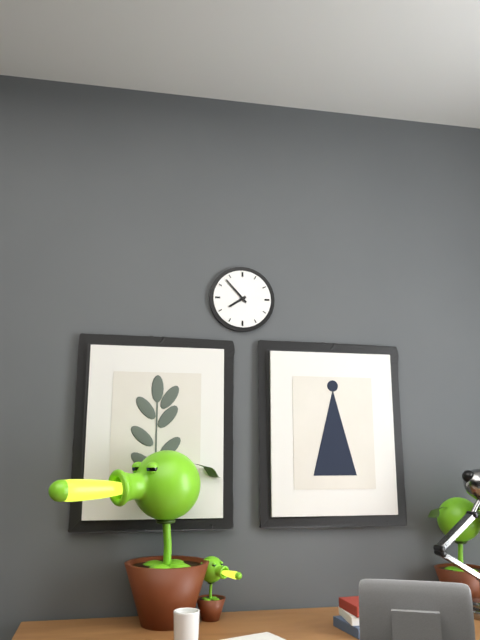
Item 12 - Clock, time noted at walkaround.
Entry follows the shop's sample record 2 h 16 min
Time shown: 7 h 53 min
